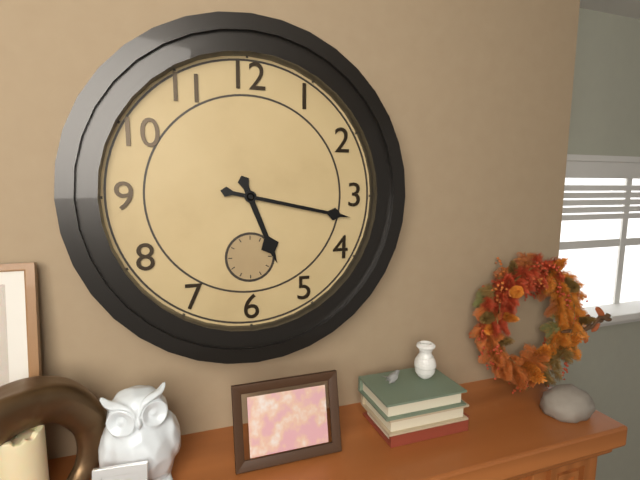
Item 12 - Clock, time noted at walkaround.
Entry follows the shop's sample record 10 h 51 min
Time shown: 5 h 17 min
